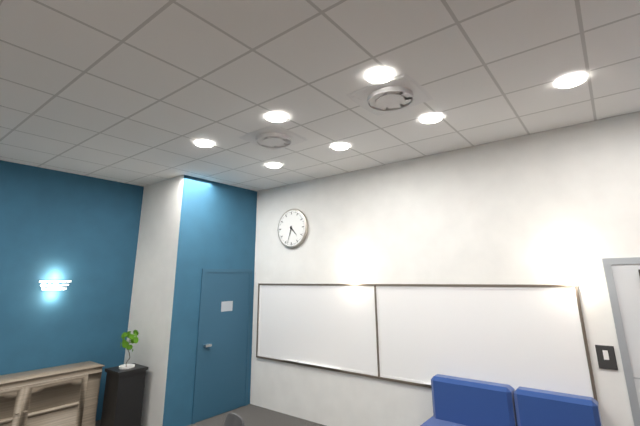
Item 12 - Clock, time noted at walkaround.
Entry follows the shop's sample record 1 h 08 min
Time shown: 4 h 33 min
